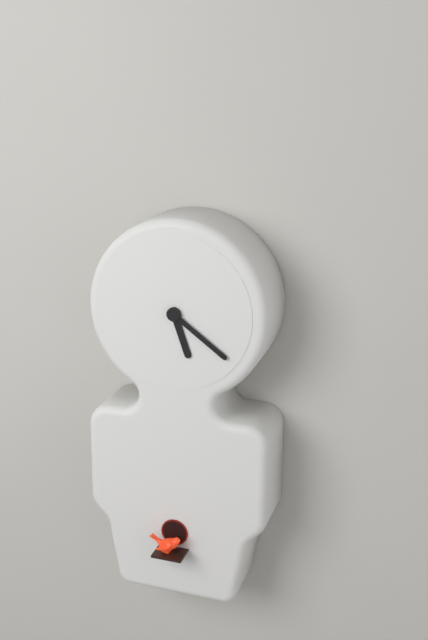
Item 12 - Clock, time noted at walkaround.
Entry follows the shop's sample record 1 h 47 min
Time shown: 5 h 21 min
